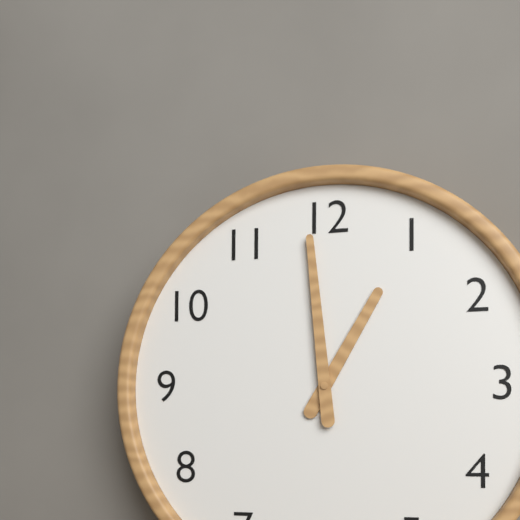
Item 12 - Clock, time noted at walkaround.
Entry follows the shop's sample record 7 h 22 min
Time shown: 12 h 59 min
